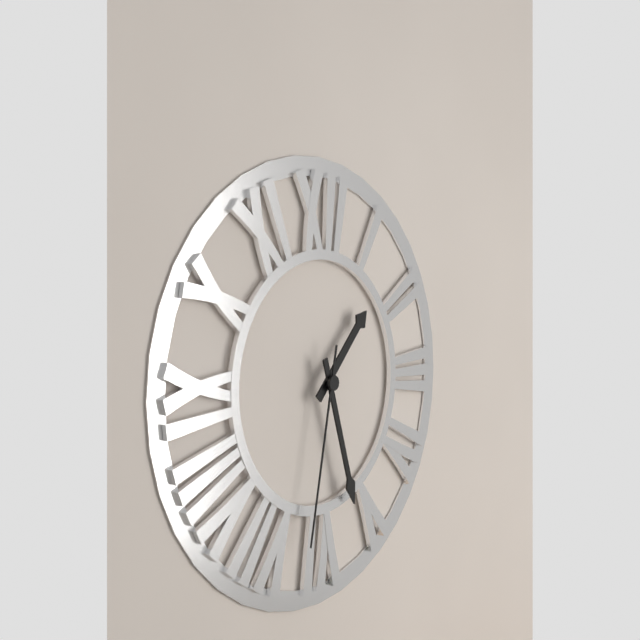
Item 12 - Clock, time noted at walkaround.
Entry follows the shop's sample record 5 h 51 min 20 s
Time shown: 1 h 27 min 32 s
